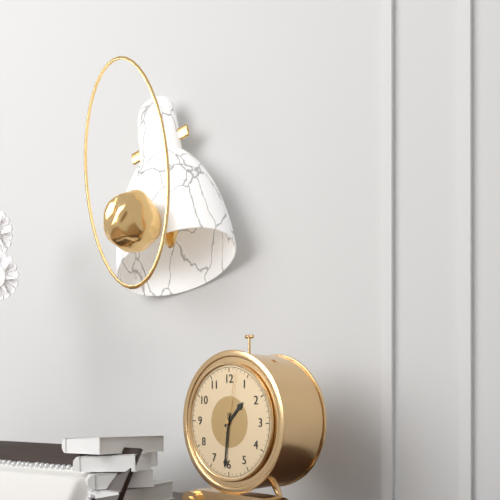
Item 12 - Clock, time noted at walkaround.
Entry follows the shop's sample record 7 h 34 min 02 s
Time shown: 1 h 31 min 02 s
